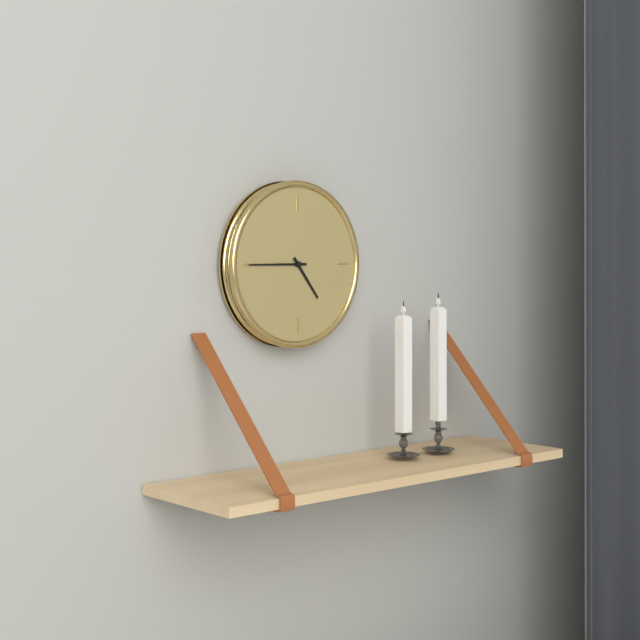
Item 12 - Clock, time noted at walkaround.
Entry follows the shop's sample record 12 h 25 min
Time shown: 4 h 45 min
